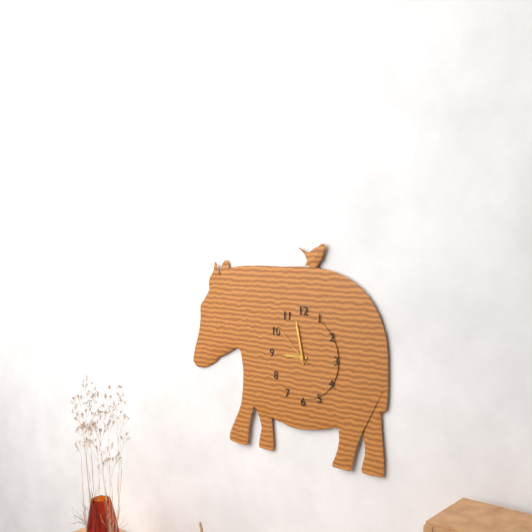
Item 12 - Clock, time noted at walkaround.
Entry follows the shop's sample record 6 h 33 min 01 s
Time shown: 8 h 58 min 52 s
